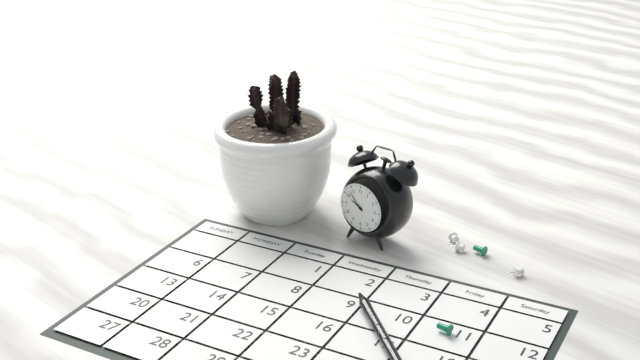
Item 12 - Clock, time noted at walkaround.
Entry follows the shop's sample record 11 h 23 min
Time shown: 9 h 53 min
